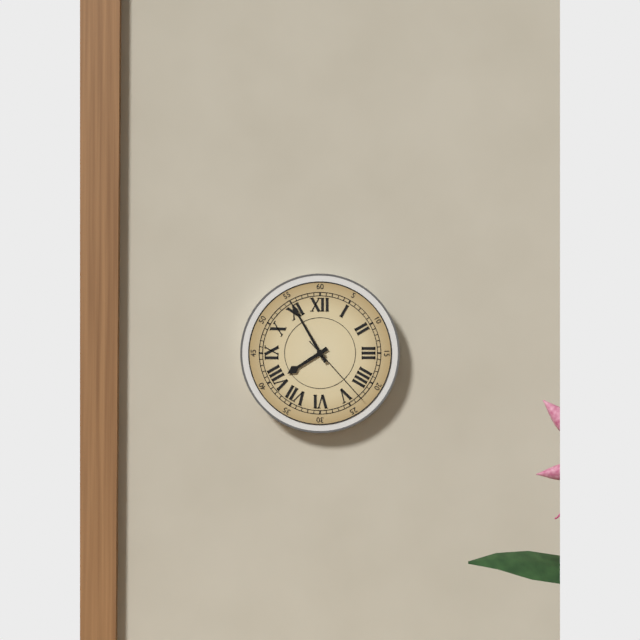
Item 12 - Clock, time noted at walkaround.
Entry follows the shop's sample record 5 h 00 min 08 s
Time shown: 7 h 55 min 23 s
